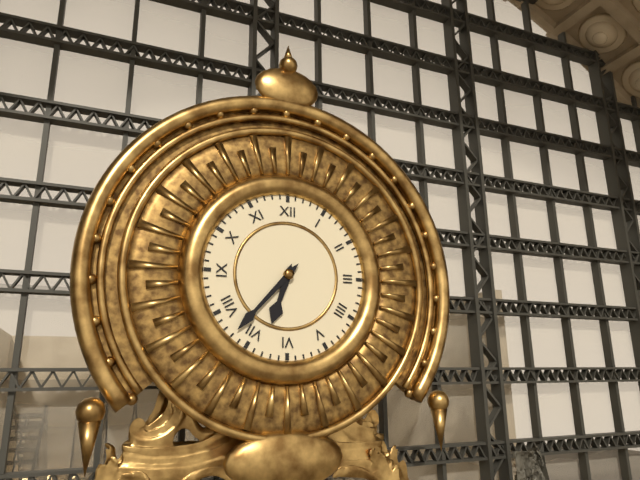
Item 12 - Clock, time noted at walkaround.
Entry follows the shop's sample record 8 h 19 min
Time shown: 6 h 37 min
